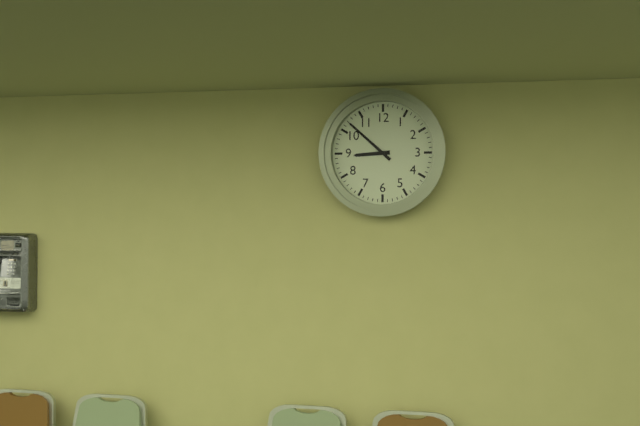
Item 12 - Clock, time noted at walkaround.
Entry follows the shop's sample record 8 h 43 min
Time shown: 8 h 52 min
